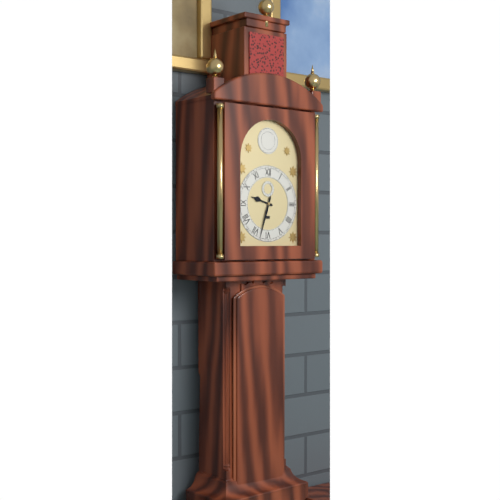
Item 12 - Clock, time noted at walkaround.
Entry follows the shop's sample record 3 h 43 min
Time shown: 9 h 33 min
